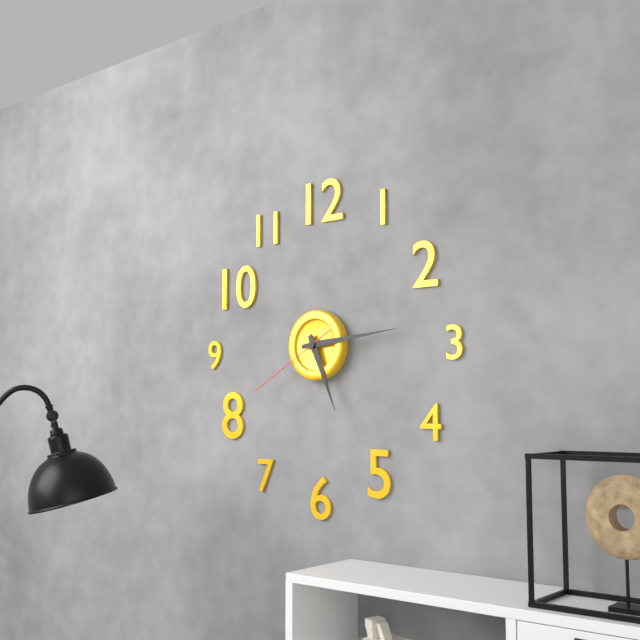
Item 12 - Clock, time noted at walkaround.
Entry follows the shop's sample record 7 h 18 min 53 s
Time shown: 5 h 14 min 40 s
